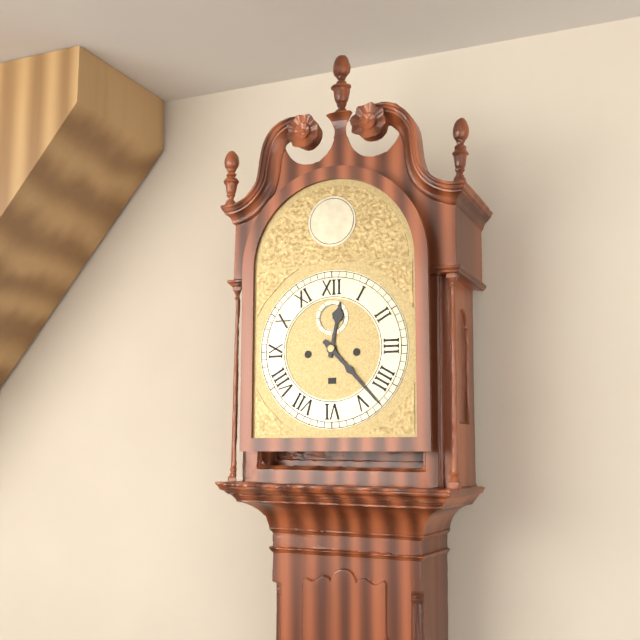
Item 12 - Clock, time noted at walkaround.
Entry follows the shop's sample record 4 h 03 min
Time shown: 12 h 23 min
